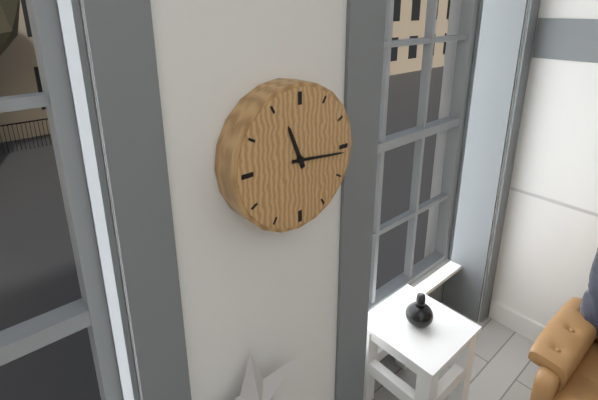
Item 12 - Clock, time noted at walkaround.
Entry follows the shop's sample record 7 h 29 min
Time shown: 11 h 16 min
